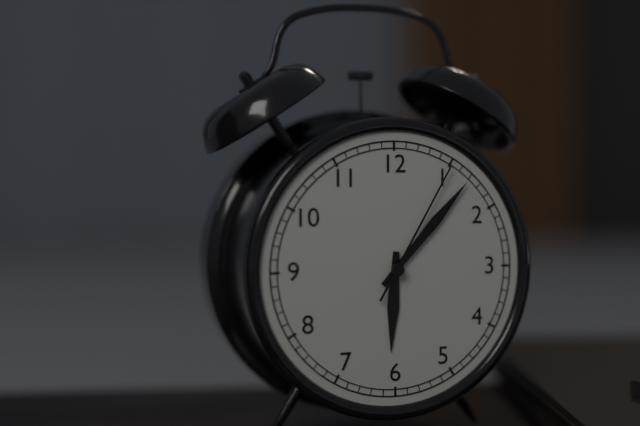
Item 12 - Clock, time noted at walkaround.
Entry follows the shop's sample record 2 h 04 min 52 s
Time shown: 6 h 07 min 05 s
